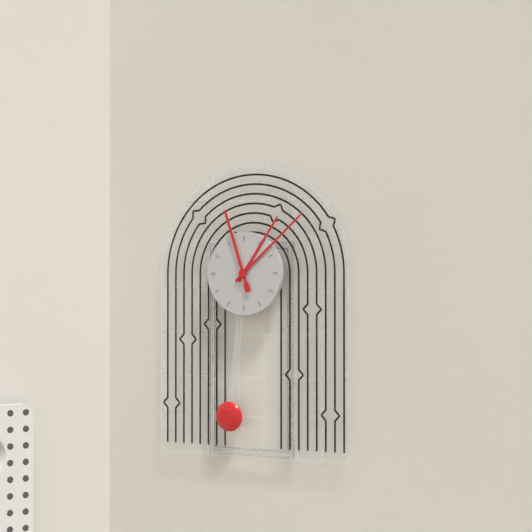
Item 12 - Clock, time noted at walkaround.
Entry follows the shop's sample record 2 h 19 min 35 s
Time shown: 1 h 08 min 57 s
